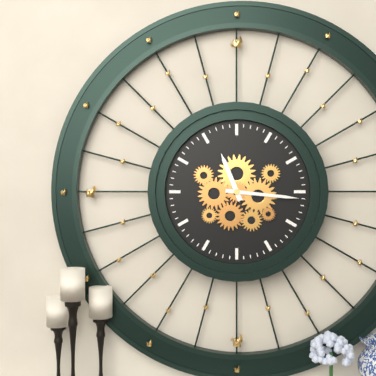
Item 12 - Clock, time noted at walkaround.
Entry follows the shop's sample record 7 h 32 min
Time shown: 11 h 16 min
